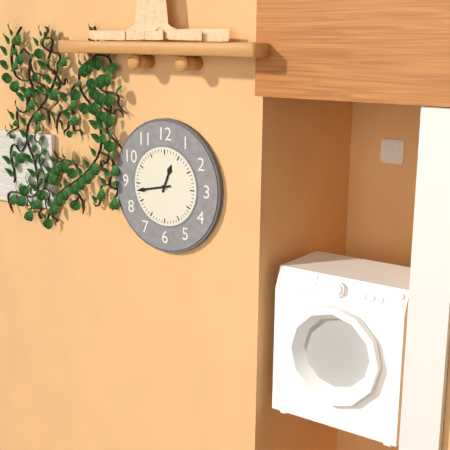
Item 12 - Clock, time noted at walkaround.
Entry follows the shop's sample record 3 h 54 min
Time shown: 12 h 43 min
